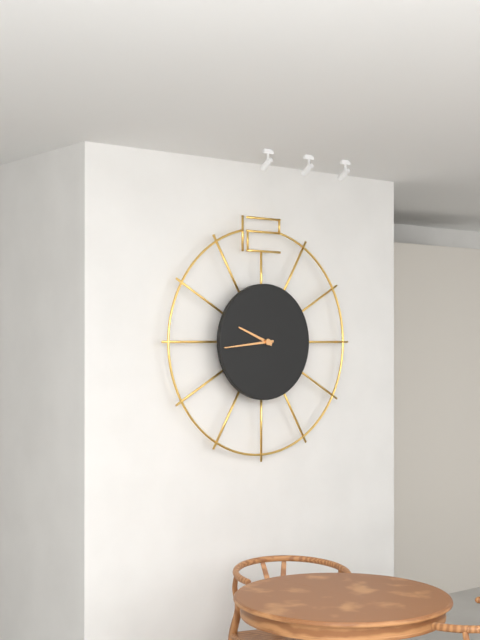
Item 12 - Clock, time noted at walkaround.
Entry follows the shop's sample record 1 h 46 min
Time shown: 9 h 44 min
